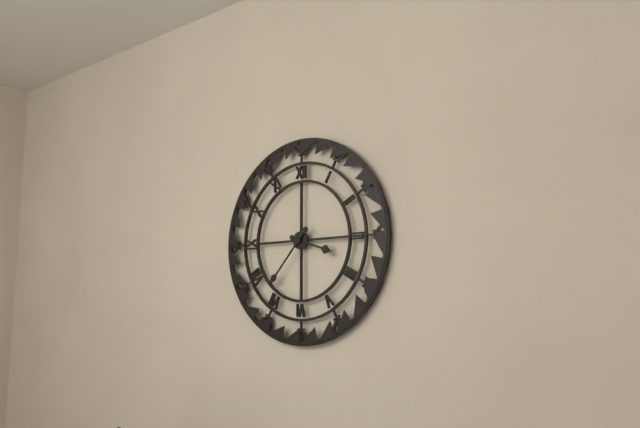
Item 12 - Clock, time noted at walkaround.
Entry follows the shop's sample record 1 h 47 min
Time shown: 3 h 37 min
